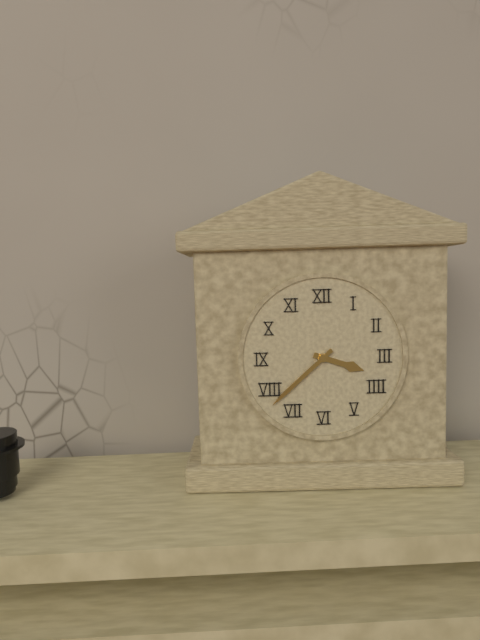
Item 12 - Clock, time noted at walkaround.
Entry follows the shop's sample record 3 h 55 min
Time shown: 3 h 38 min
